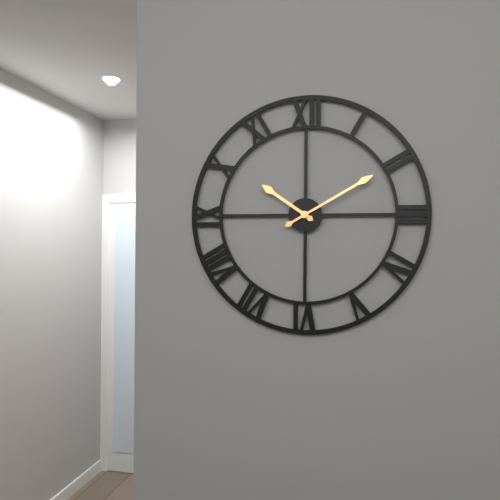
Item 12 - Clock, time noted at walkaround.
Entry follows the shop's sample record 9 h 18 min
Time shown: 10 h 10 min
